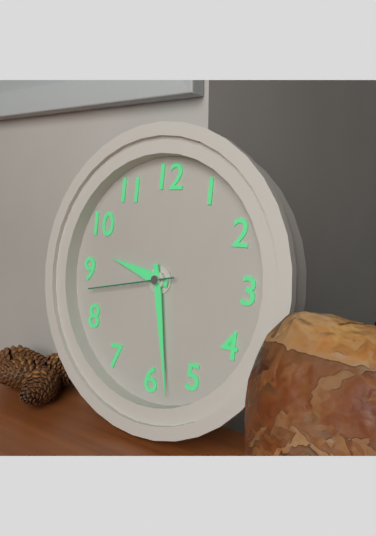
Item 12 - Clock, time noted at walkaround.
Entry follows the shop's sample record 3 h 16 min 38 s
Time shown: 9 h 28 min 43 s
